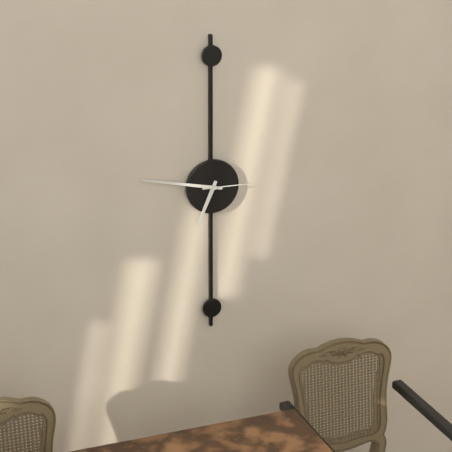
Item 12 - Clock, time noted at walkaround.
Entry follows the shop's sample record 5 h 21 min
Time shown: 6 h 47 min
